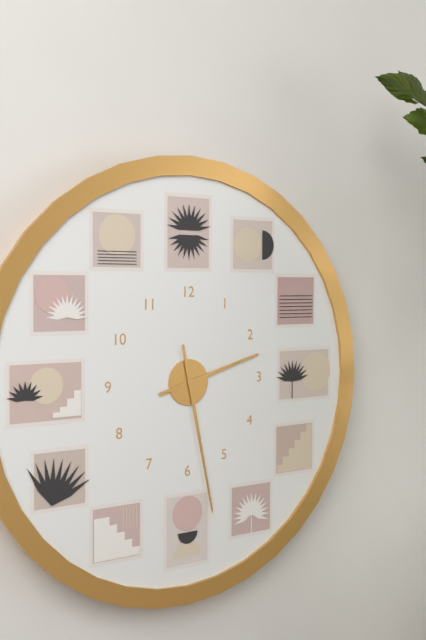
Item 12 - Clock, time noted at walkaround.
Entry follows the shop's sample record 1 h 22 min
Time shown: 2 h 28 min
